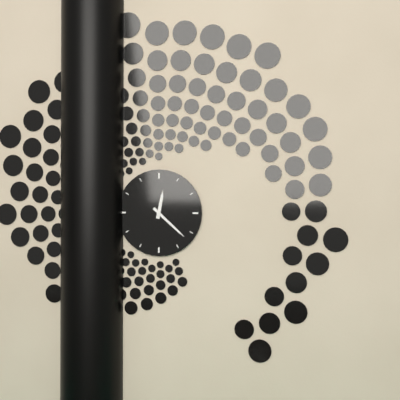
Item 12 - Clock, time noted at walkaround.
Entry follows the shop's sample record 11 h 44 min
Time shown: 12 h 22 min
